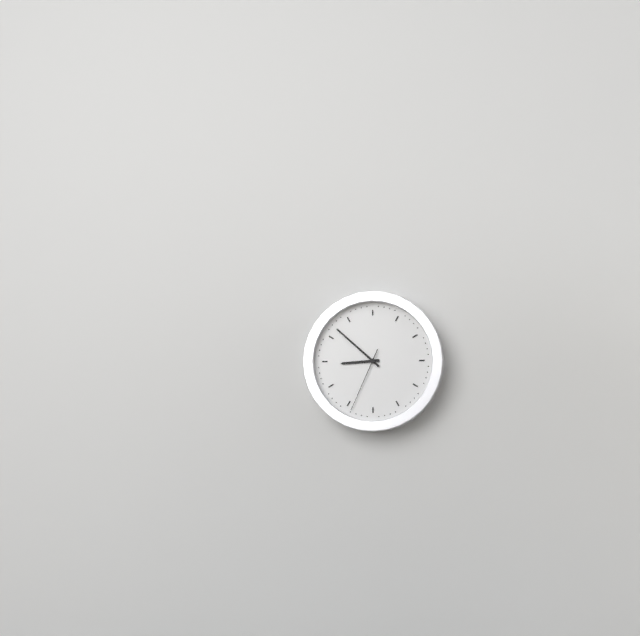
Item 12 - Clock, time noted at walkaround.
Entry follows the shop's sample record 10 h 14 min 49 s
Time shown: 8 h 52 min 34 s
